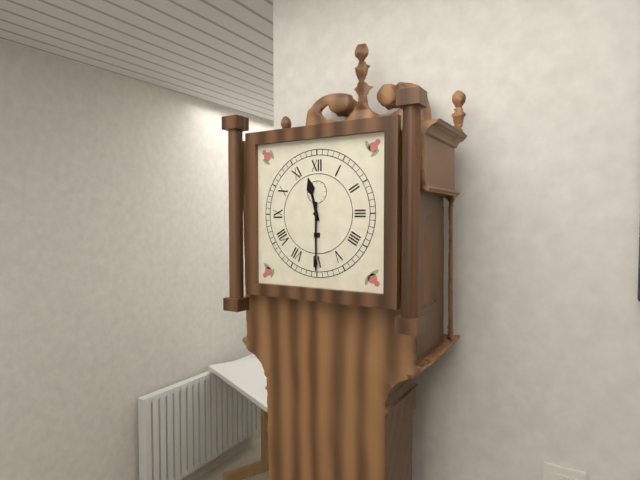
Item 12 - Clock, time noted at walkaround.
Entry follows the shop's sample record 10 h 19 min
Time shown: 11 h 30 min
